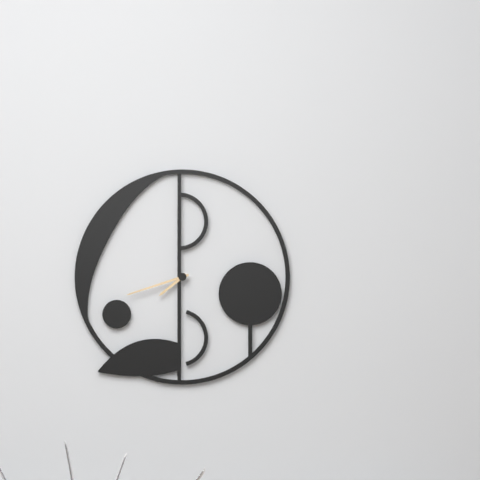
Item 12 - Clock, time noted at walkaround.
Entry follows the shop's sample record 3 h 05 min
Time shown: 7 h 42 min
